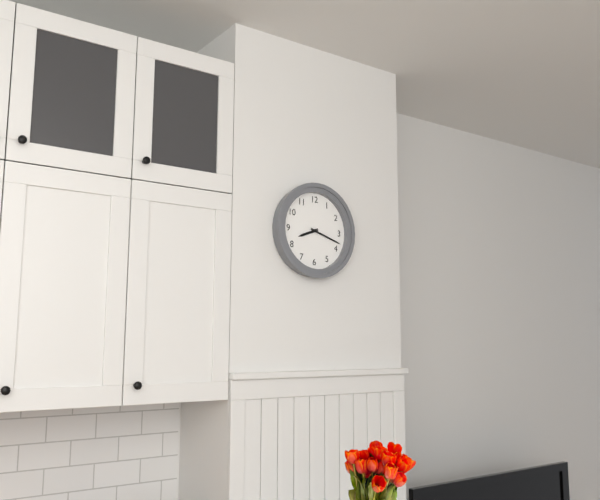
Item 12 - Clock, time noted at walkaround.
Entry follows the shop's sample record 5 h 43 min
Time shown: 8 h 18 min
